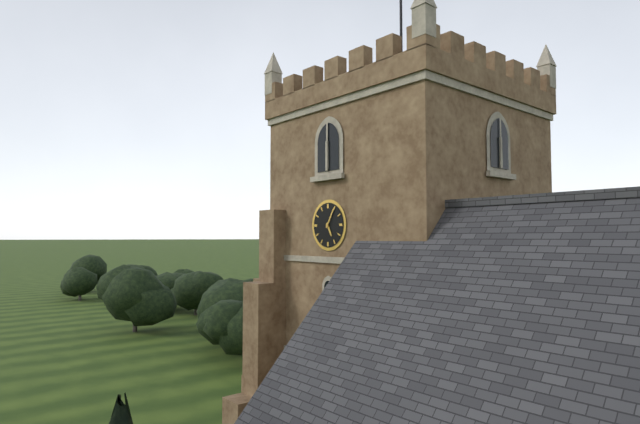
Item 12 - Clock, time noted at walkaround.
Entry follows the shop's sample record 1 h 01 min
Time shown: 5 h 05 min
